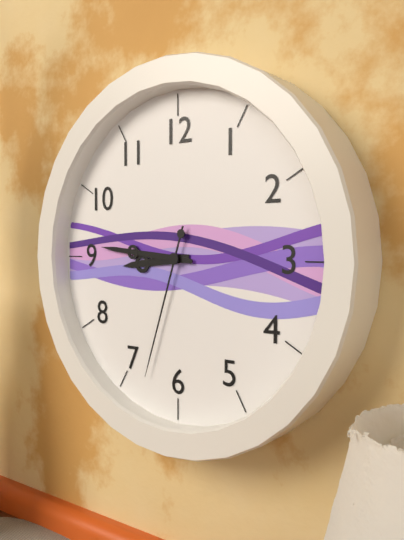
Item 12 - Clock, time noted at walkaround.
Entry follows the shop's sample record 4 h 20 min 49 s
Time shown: 8 h 46 min 33 s
